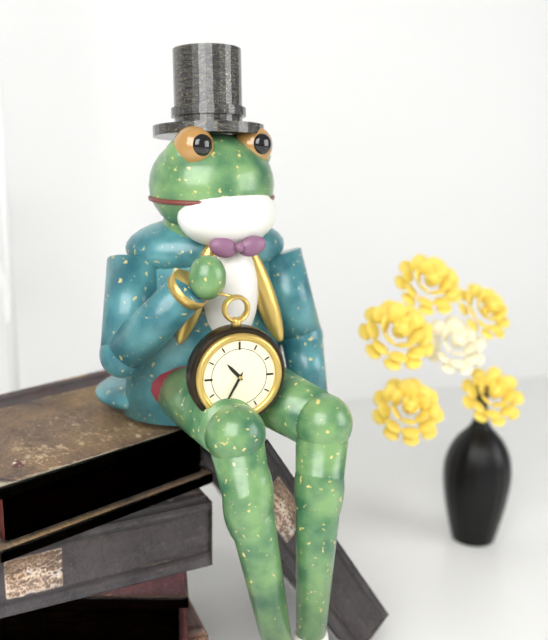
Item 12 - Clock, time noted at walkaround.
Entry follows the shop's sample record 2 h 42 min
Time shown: 10 h 35 min
